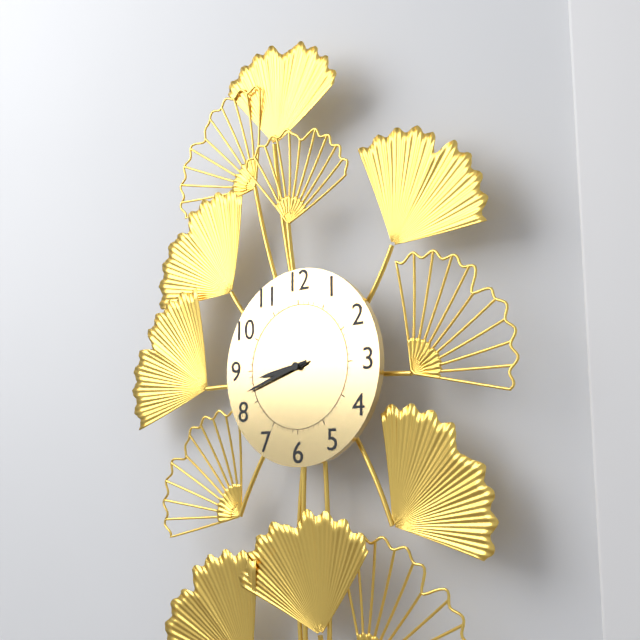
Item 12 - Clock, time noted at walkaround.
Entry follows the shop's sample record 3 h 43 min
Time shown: 8 h 42 min
